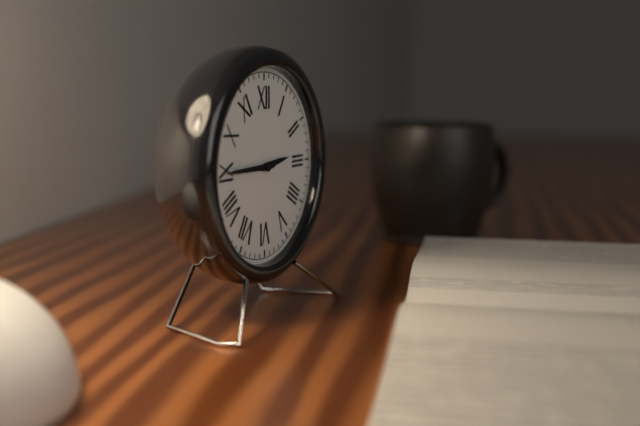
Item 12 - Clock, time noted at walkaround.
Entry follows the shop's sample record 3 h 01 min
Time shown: 2 h 45 min
